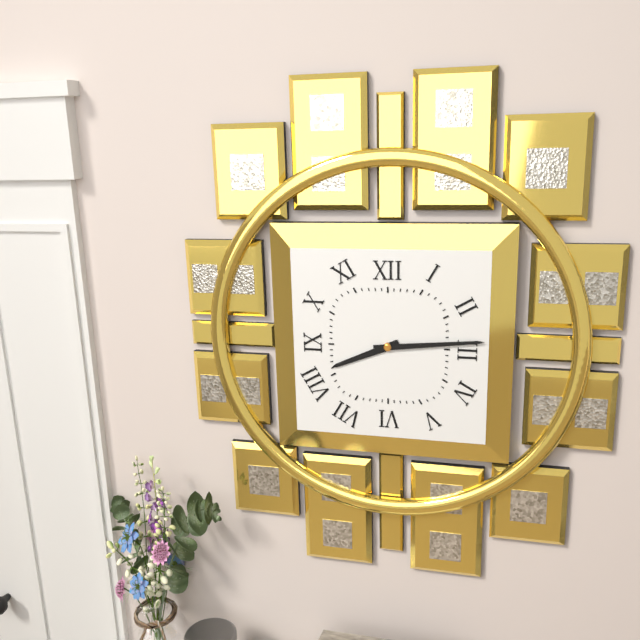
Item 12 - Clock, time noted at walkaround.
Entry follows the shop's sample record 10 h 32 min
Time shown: 8 h 14 min
